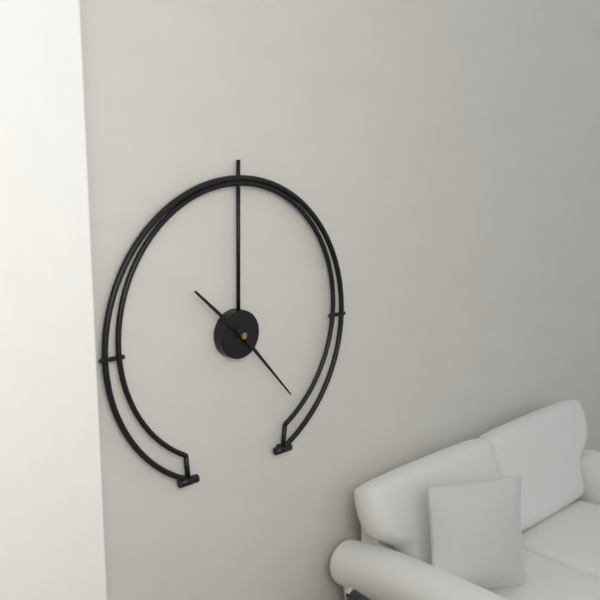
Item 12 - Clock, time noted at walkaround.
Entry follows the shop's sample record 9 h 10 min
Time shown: 10 h 23 min
